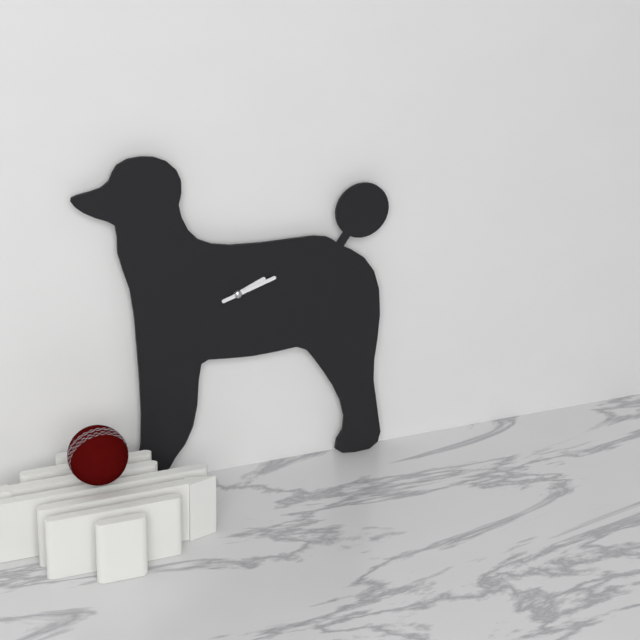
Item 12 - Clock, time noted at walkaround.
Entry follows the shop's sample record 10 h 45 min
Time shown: 2 h 12 min
